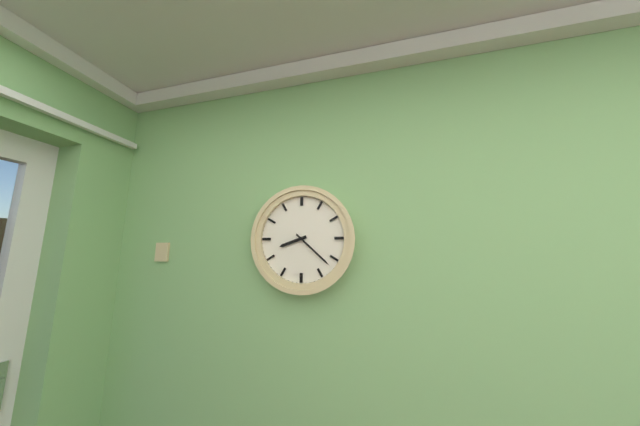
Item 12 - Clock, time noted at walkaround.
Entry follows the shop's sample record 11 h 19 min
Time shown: 8 h 22 min
